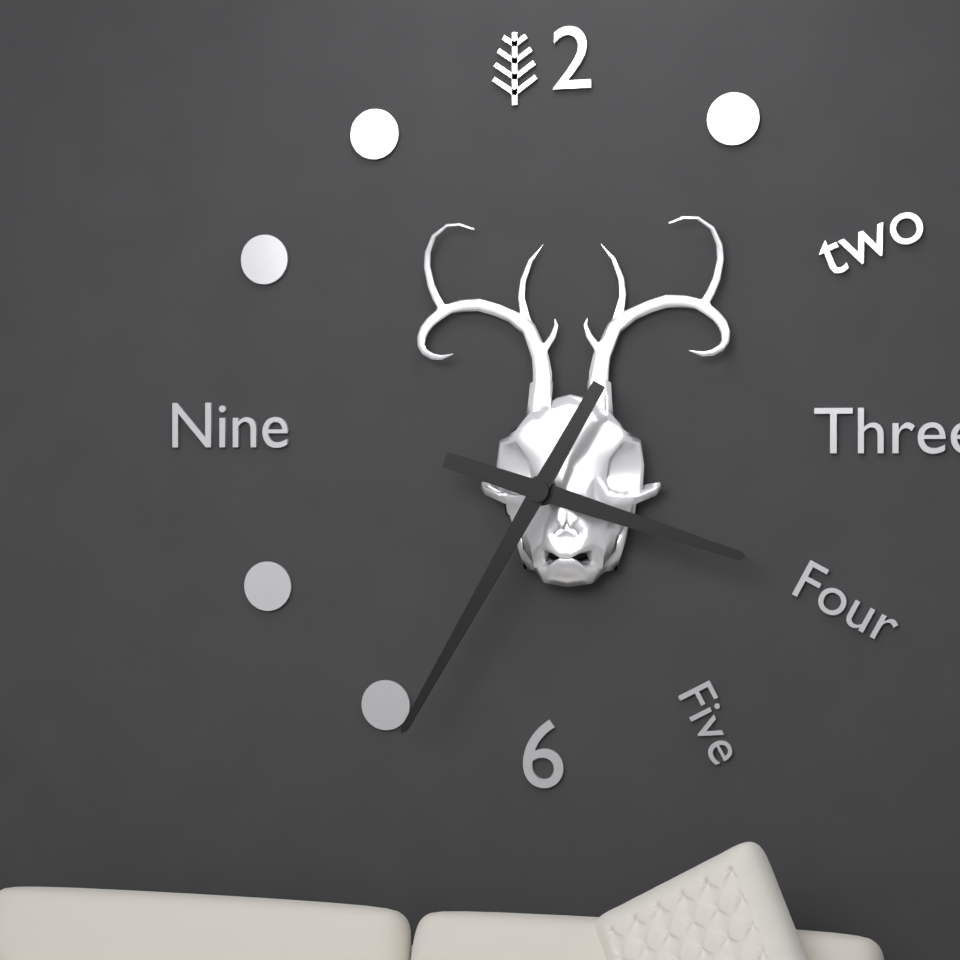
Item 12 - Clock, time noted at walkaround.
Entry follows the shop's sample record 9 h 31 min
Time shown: 3 h 35 min
